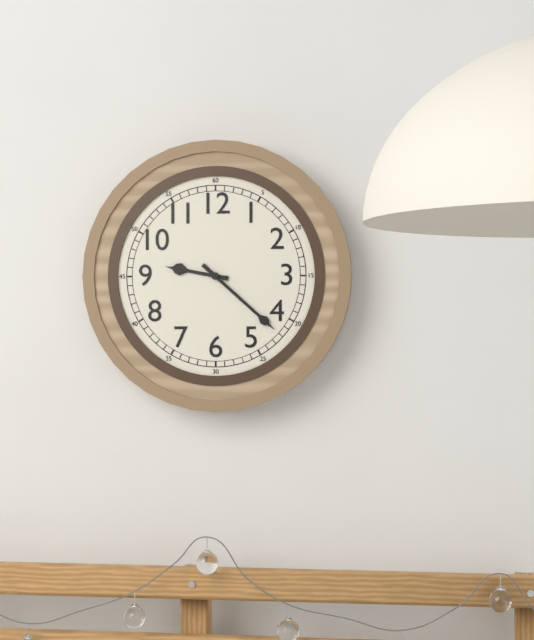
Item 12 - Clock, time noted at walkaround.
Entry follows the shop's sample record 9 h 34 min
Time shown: 9 h 22 min
